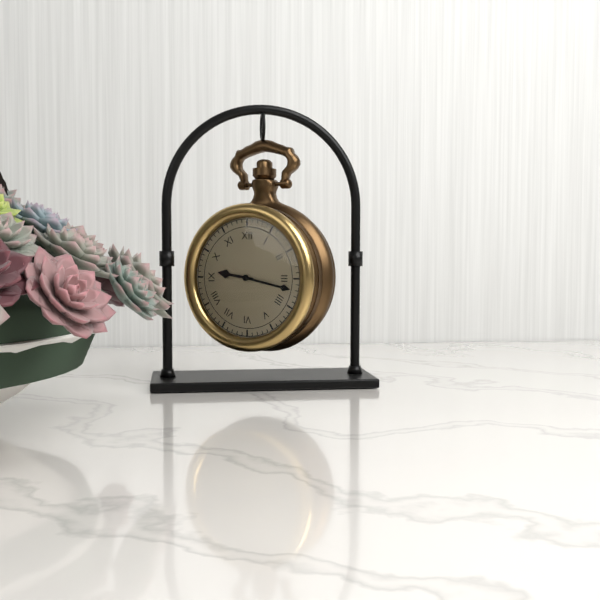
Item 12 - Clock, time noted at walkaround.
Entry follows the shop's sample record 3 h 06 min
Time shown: 9 h 17 min
